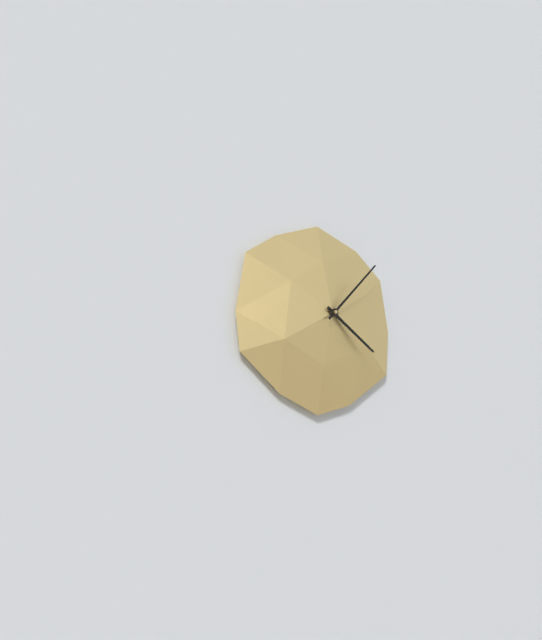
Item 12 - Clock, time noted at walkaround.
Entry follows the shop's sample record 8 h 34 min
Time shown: 4 h 07 min
